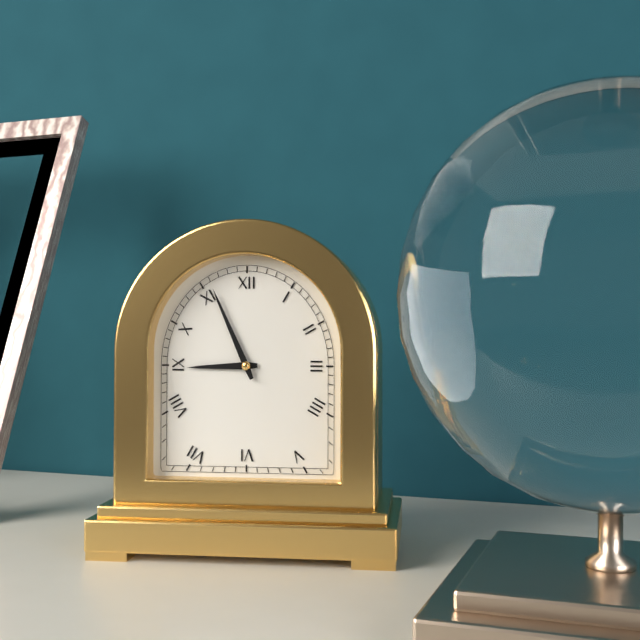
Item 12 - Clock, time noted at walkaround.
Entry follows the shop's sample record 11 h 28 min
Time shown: 8 h 56 min
